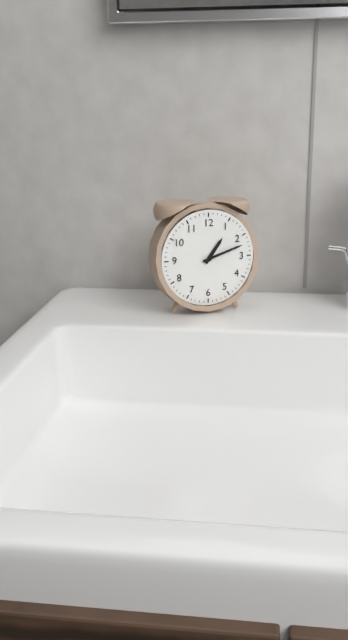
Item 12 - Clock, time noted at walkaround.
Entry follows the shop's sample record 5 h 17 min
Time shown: 1 h 12 min
